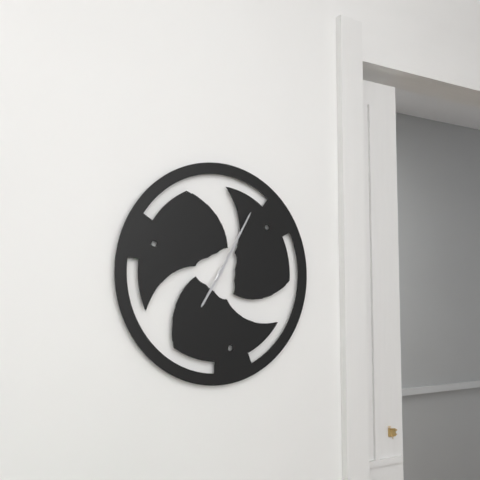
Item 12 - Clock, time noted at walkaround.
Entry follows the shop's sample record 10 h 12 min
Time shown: 7 h 05 min
